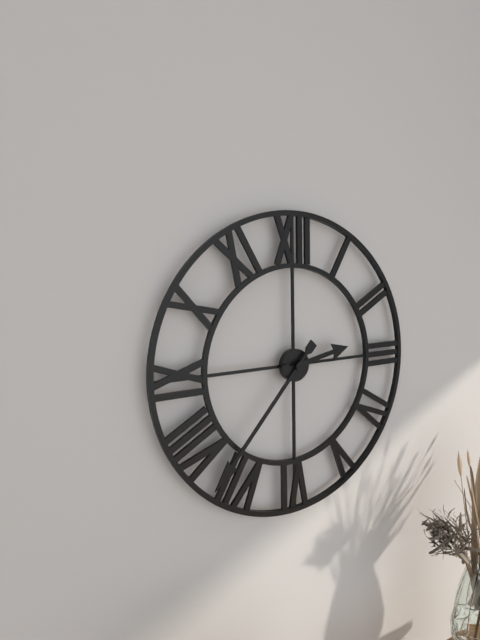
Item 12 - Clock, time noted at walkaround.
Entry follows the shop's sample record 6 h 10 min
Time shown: 2 h 37 min
